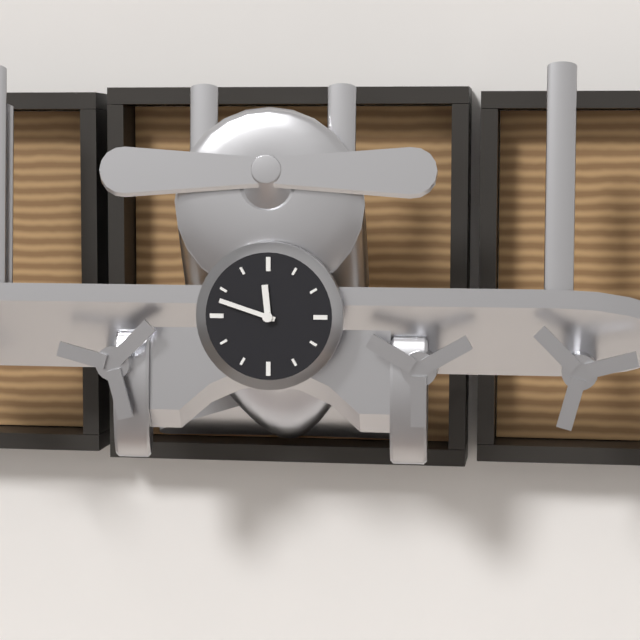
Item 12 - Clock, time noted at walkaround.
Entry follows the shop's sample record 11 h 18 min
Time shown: 11 h 48 min
